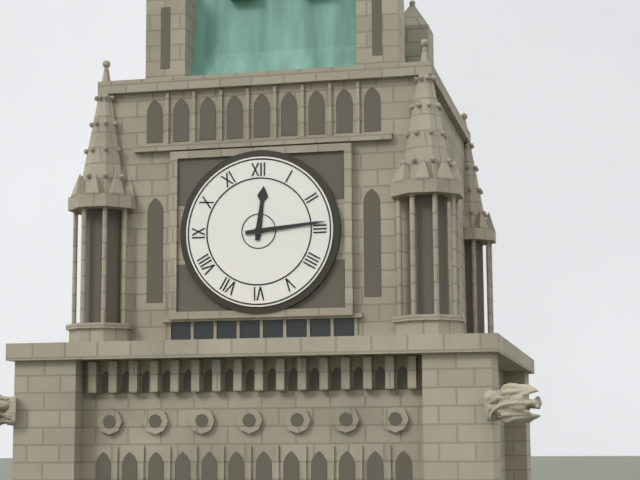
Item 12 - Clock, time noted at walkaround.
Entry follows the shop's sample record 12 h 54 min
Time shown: 12 h 14 min
